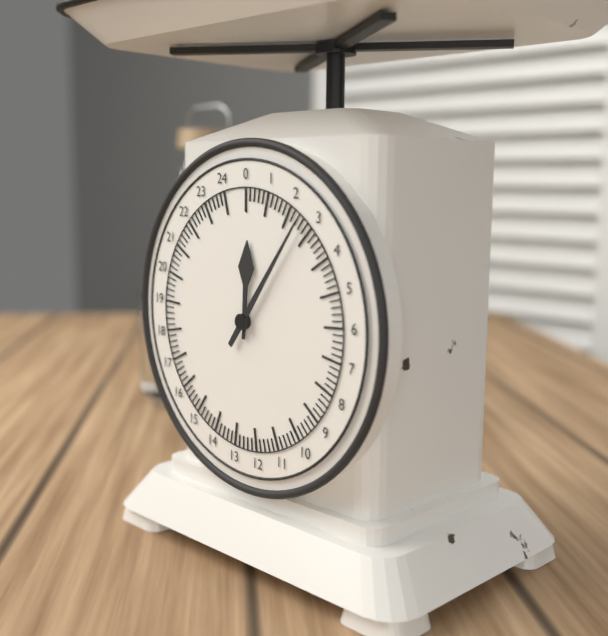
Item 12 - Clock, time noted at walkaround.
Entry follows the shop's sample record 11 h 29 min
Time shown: 12 h 06 min
